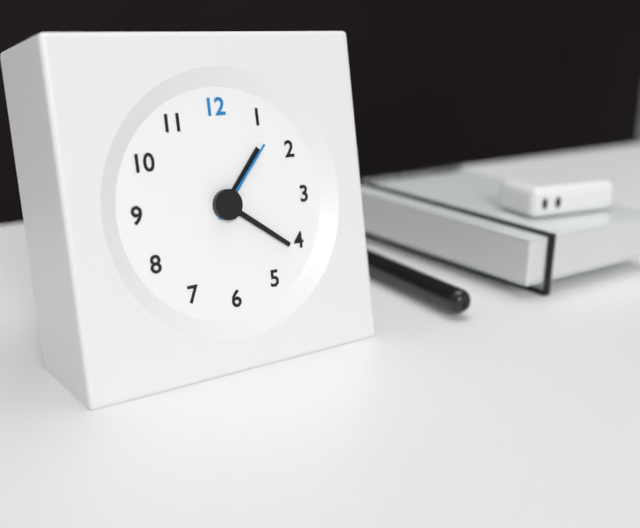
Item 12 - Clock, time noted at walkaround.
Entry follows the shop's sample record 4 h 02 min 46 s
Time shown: 1 h 21 min 07 s
